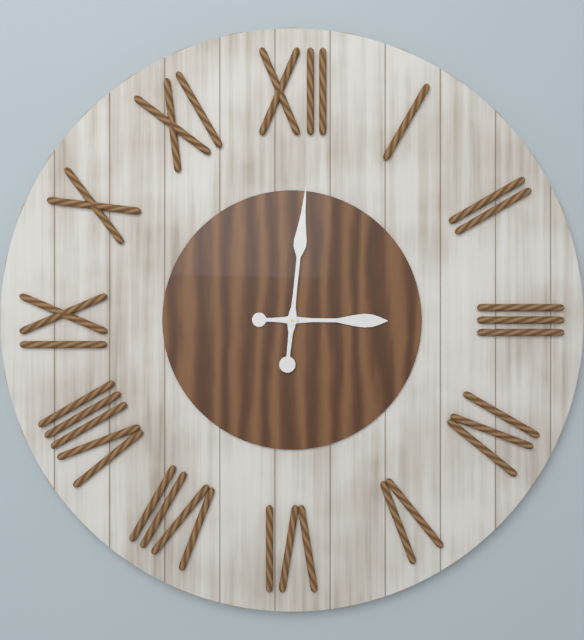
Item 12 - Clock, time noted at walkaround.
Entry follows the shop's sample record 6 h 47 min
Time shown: 3 h 01 min
